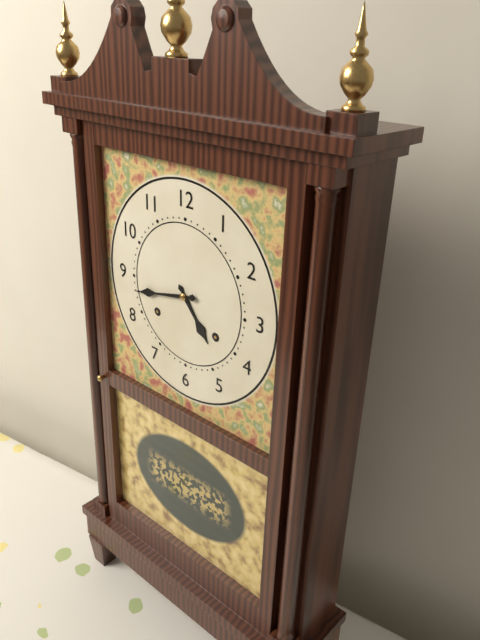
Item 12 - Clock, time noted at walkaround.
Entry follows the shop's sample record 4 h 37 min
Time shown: 4 h 43 min
